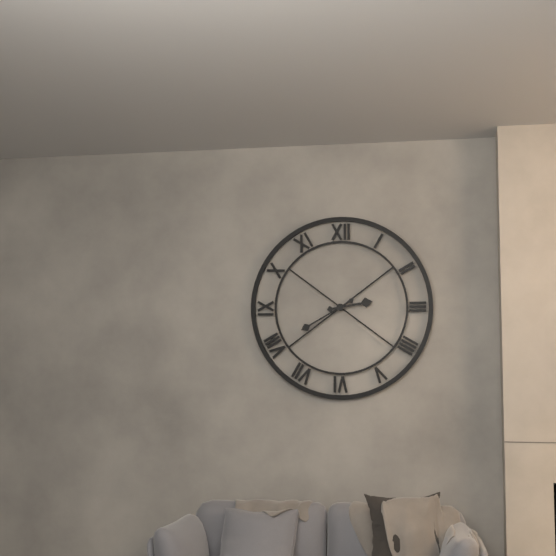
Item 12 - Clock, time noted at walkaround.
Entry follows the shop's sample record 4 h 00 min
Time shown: 2 h 40 min
